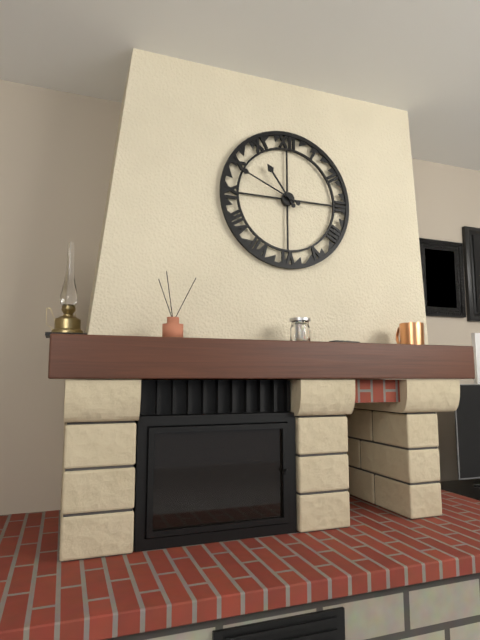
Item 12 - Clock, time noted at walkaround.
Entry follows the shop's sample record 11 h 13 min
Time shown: 10 h 49 min
